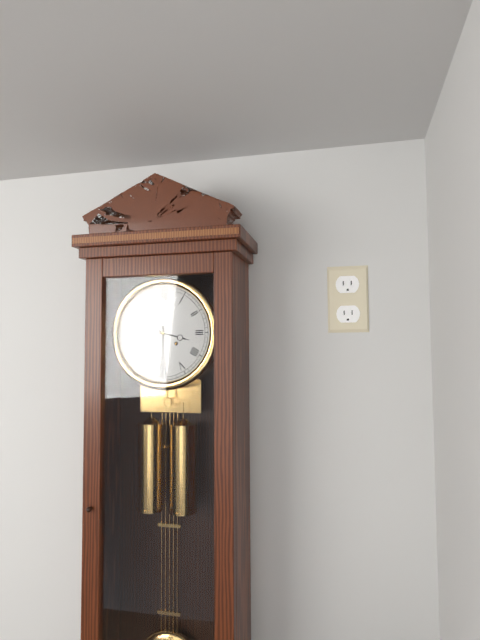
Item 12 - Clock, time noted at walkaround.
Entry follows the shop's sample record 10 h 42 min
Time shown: 3 h 30 min
